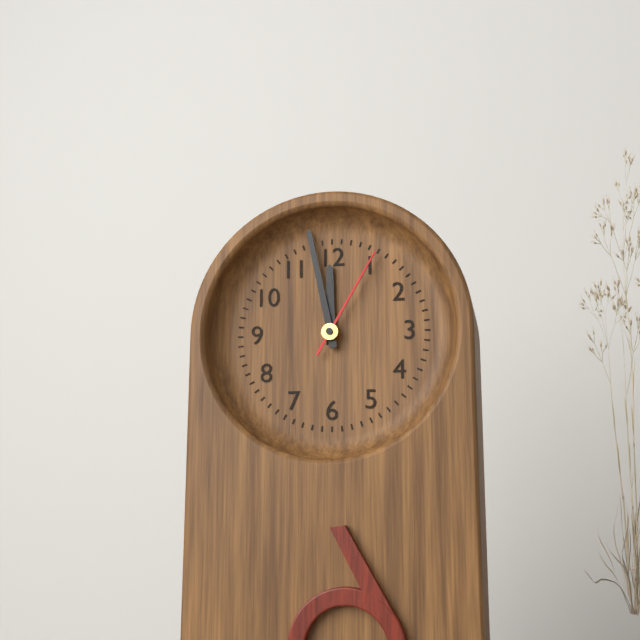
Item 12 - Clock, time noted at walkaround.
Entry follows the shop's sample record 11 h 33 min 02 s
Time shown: 11 h 58 min 05 s
